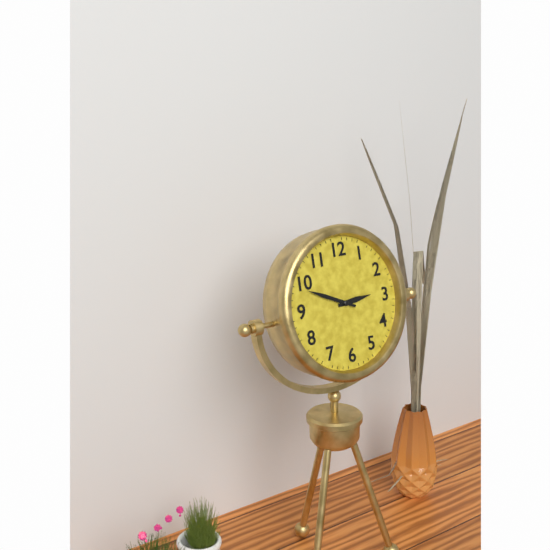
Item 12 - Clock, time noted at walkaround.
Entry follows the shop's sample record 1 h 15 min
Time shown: 2 h 49 min
